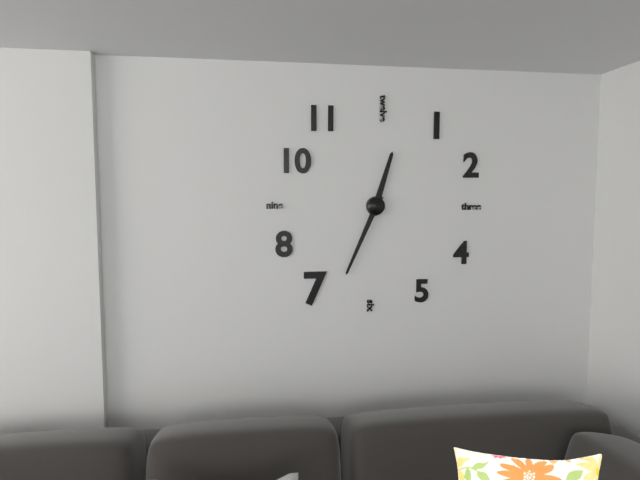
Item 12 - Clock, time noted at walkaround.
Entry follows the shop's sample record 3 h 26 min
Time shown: 12 h 34 min
